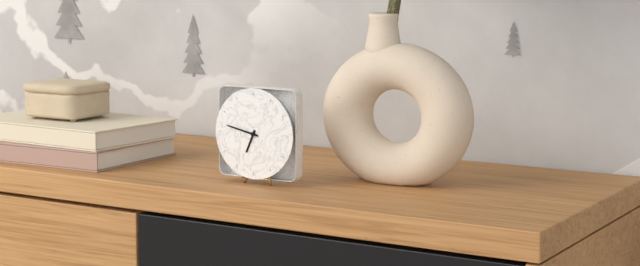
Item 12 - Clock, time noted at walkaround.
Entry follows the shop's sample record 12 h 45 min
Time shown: 6 h 47 min
